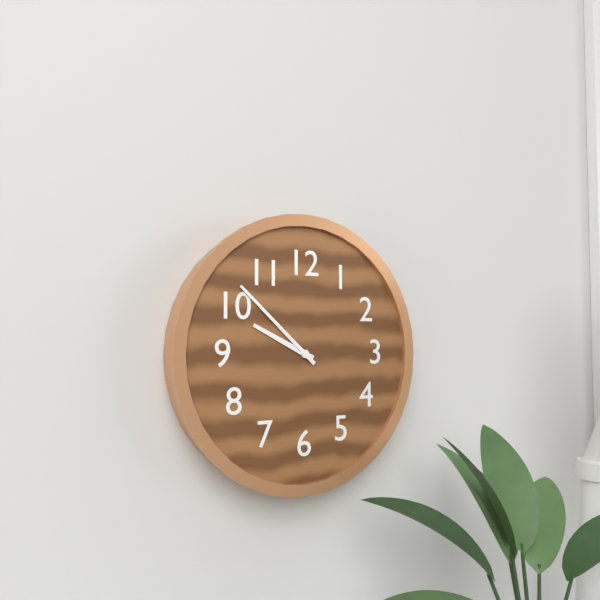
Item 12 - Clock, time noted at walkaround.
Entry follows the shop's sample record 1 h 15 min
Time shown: 9 h 52 min
